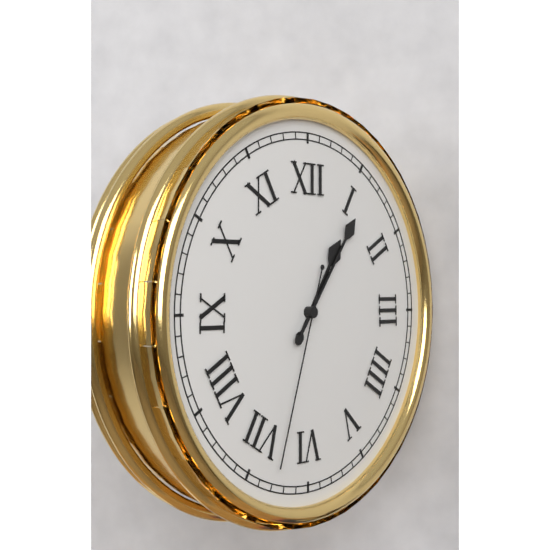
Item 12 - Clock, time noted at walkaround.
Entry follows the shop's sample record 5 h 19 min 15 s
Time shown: 1 h 06 min 33 s
